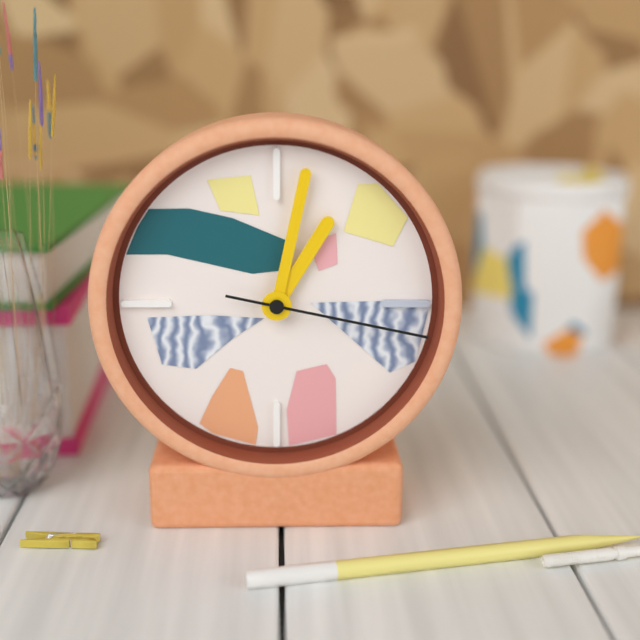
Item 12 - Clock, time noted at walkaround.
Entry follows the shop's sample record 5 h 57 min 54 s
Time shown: 1 h 02 min 17 s
